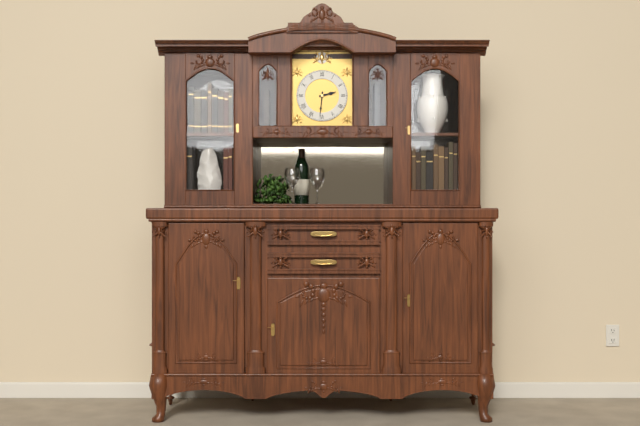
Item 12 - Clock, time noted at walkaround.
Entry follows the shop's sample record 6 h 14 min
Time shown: 2 h 31 min
